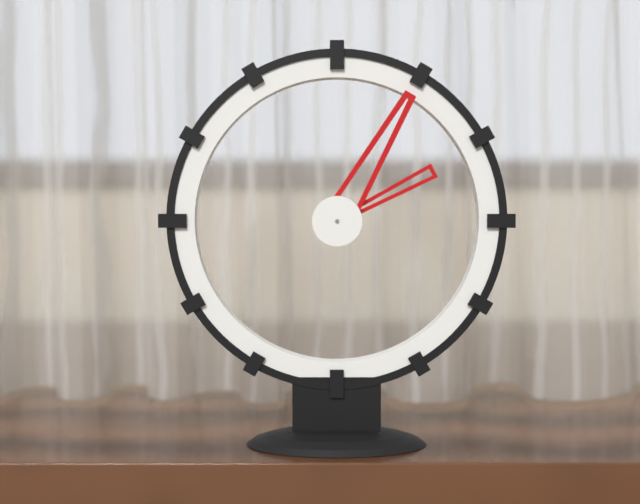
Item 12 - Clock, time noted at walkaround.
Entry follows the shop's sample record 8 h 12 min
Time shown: 2 h 05 min
